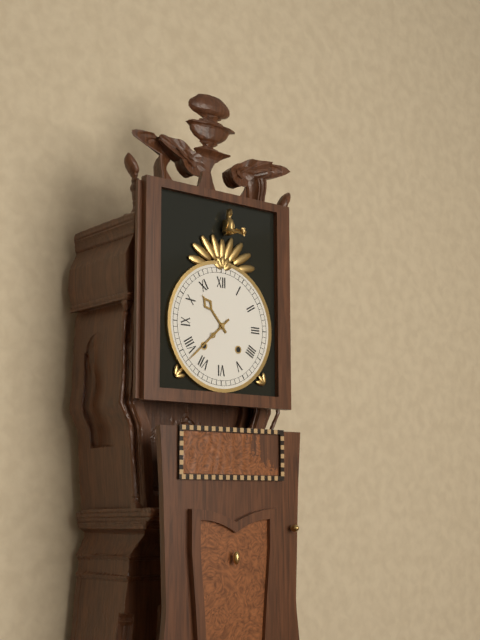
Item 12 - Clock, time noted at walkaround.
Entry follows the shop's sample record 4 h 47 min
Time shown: 10 h 38 min
